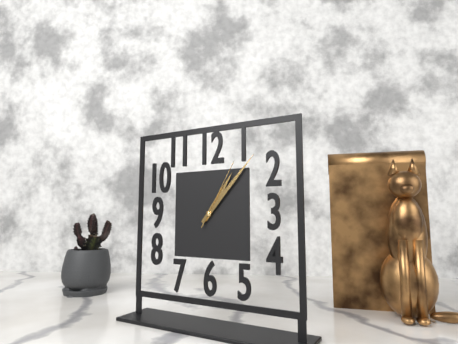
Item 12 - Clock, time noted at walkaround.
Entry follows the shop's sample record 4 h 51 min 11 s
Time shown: 1 h 07 min 05 s
